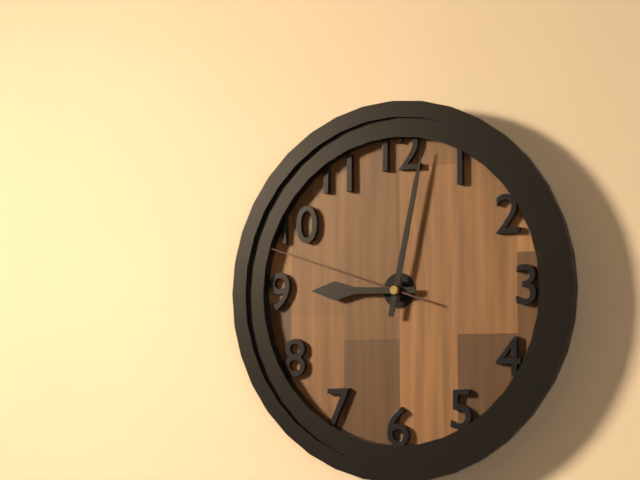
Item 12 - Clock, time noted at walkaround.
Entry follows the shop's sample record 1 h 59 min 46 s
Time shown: 9 h 02 min 48 s
